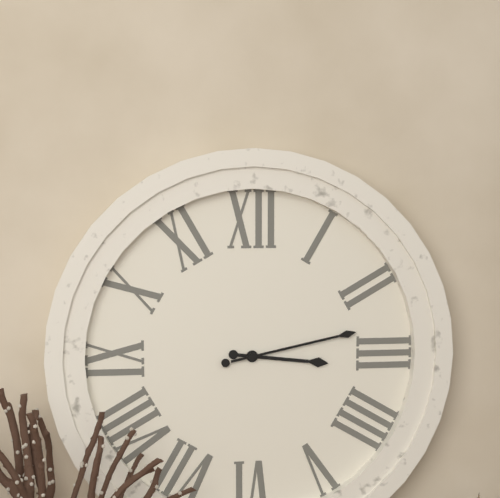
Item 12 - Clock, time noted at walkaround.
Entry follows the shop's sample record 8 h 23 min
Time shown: 3 h 13 min
